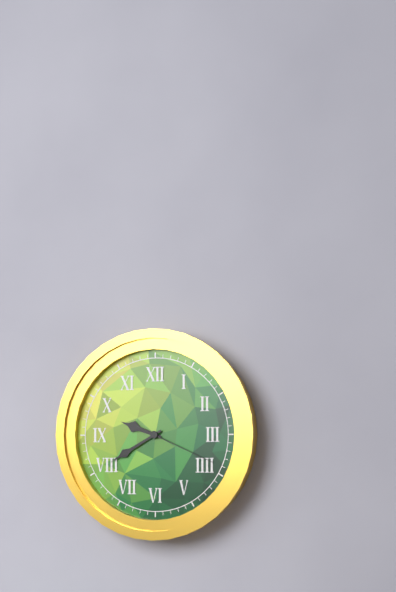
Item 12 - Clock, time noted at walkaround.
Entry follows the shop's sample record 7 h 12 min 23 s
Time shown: 9 h 40 min 19 s
